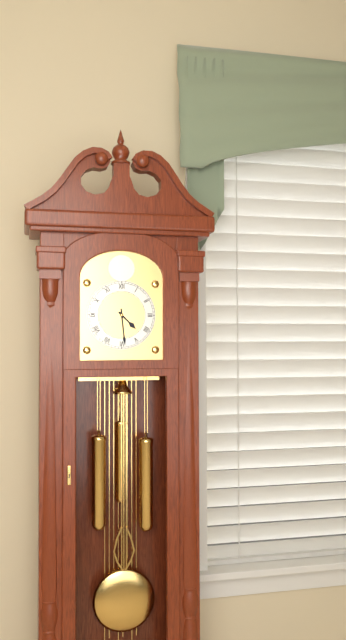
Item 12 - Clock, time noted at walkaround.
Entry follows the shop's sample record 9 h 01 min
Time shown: 4 h 29 min
